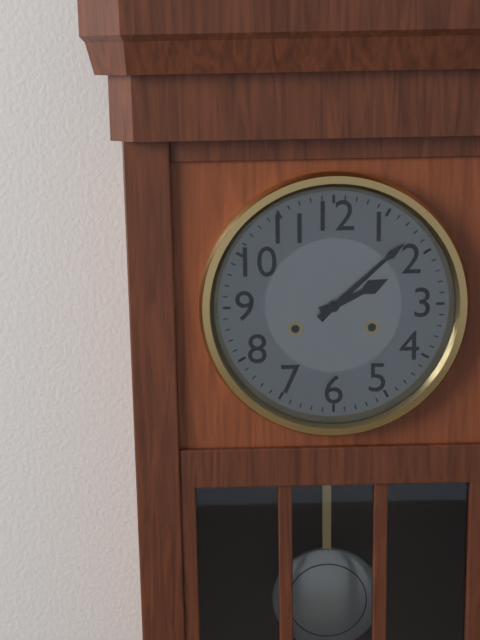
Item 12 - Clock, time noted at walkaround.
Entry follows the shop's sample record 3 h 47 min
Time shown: 2 h 08 min
